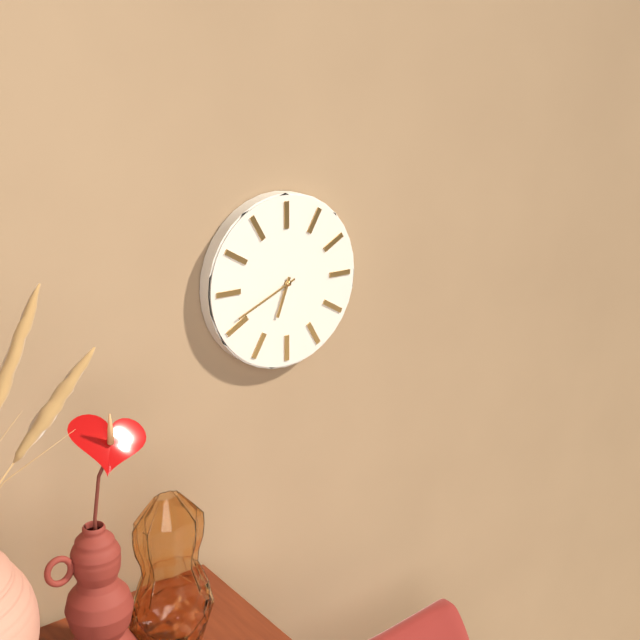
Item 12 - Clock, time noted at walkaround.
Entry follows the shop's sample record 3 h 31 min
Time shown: 6 h 41 min
